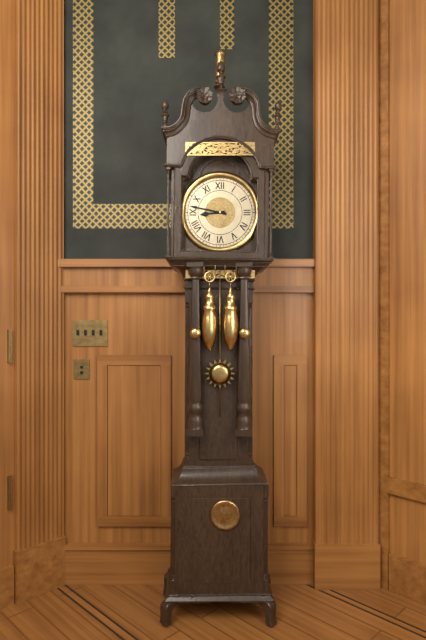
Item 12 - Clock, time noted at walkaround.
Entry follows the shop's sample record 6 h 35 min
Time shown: 8 h 47 min
